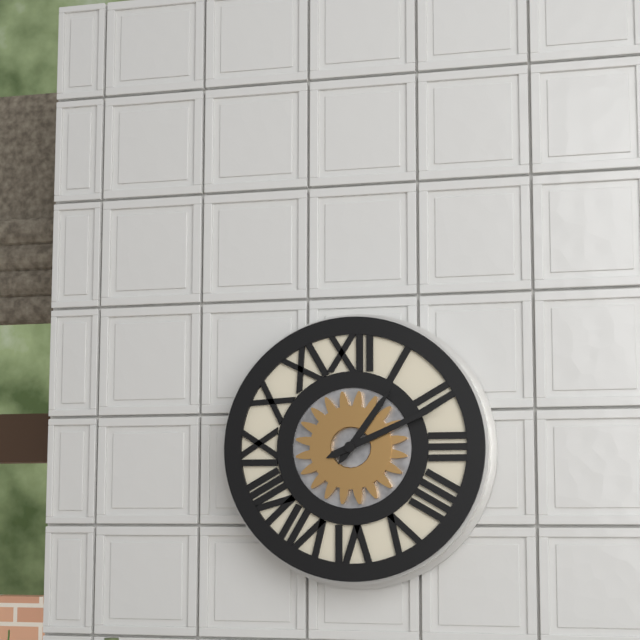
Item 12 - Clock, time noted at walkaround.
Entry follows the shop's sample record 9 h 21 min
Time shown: 1 h 11 min
